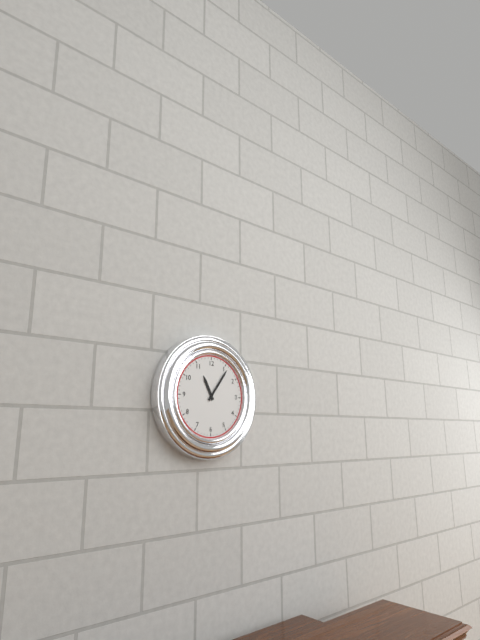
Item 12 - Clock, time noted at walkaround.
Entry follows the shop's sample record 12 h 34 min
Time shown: 11 h 06 min
